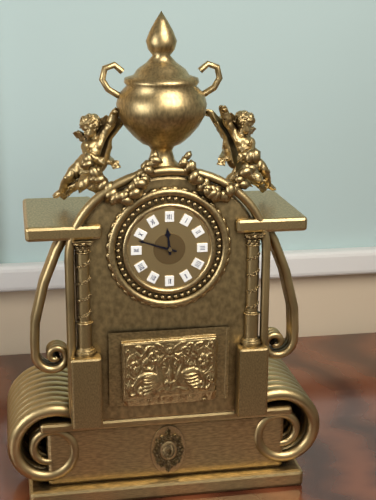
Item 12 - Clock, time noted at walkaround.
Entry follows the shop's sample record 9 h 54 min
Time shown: 11 h 48 min
